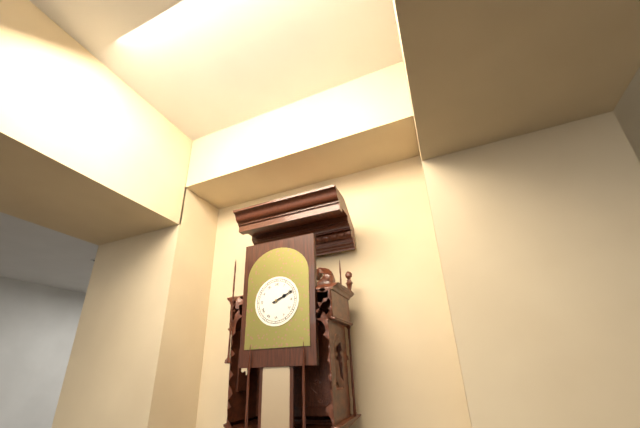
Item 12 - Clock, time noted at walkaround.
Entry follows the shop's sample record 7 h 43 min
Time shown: 2 h 11 min
